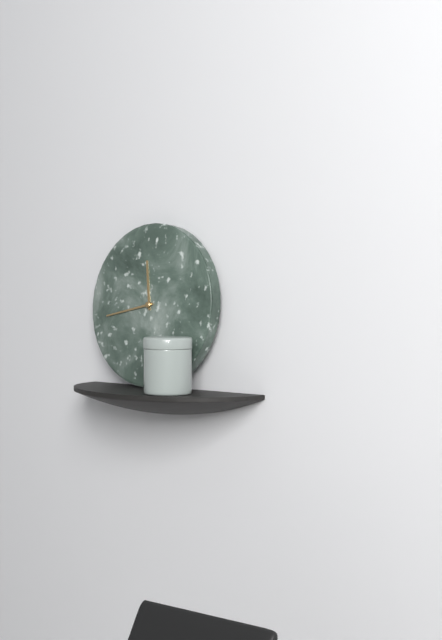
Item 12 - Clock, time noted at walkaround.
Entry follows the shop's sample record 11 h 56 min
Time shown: 11 h 43 min
